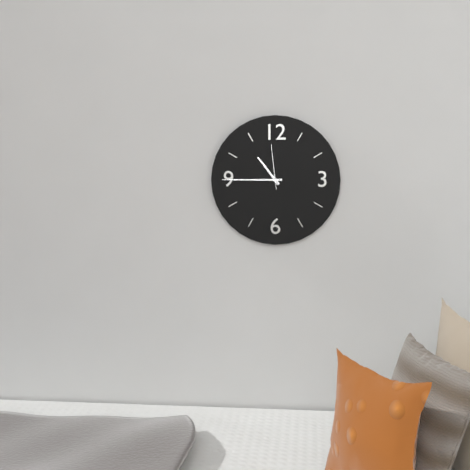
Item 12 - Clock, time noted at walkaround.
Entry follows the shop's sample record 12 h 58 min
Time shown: 10 h 45 min
